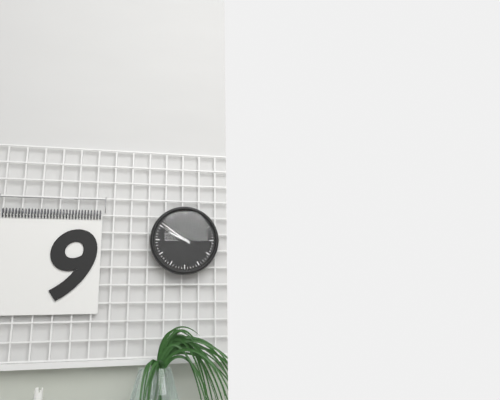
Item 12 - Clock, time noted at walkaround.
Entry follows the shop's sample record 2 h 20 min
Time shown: 9 h 51 min
